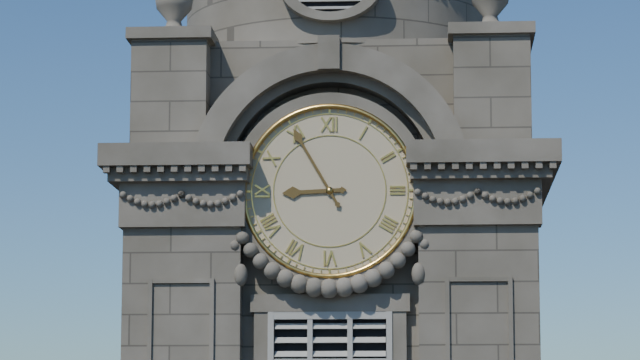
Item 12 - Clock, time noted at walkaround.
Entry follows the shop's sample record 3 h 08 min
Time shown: 8 h 55 min
